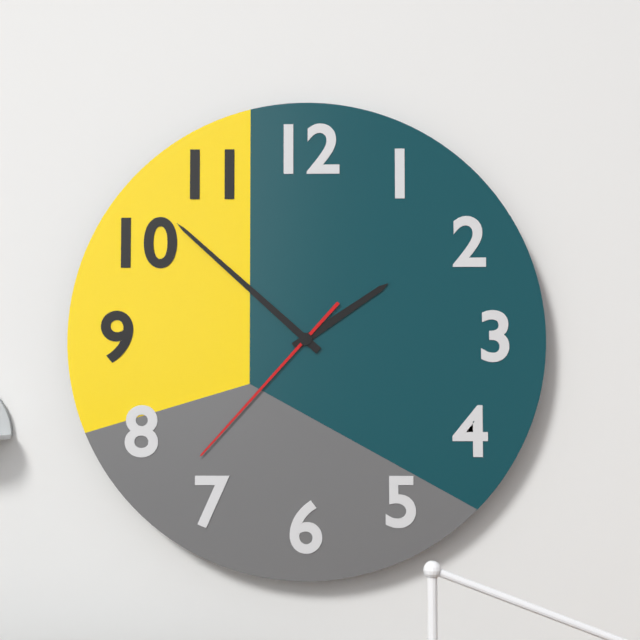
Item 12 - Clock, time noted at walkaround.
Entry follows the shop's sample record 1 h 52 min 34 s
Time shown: 1 h 52 min 37 s
